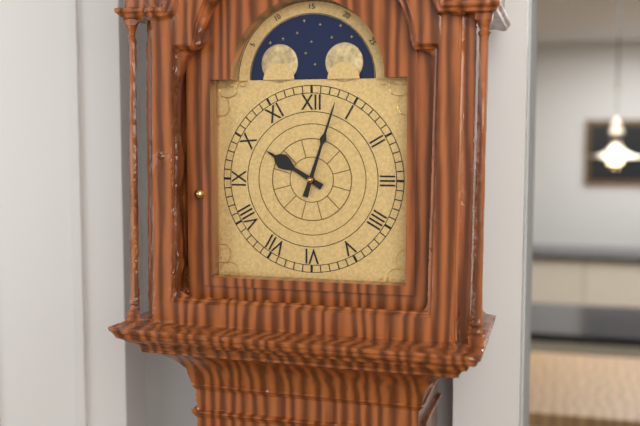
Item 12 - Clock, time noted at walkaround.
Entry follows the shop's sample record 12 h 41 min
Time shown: 10 h 03 min
